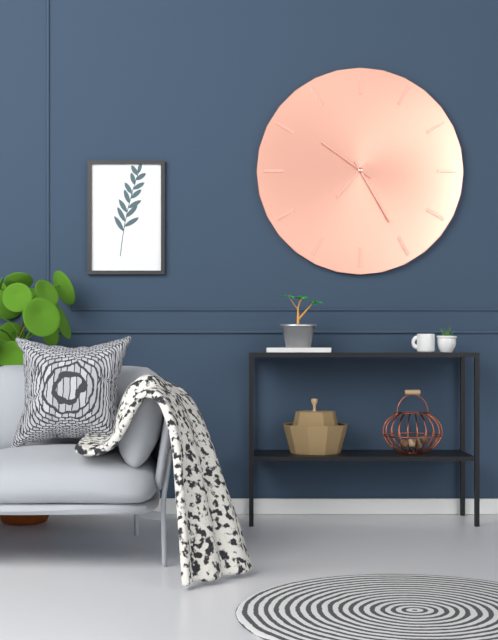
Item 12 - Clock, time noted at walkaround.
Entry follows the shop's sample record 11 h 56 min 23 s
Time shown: 7 h 25 min 51 s
